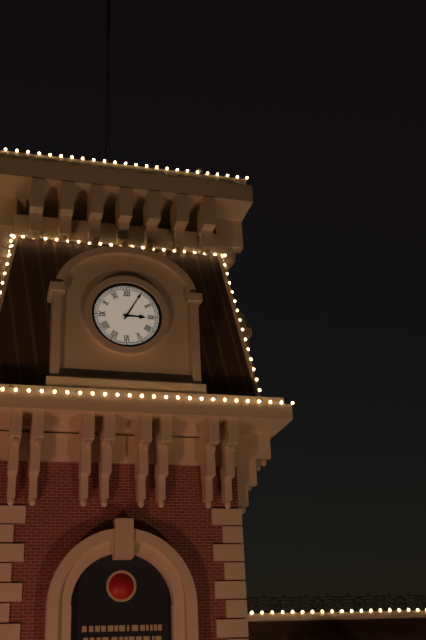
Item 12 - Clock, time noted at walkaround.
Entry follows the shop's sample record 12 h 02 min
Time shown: 3 h 05 min
